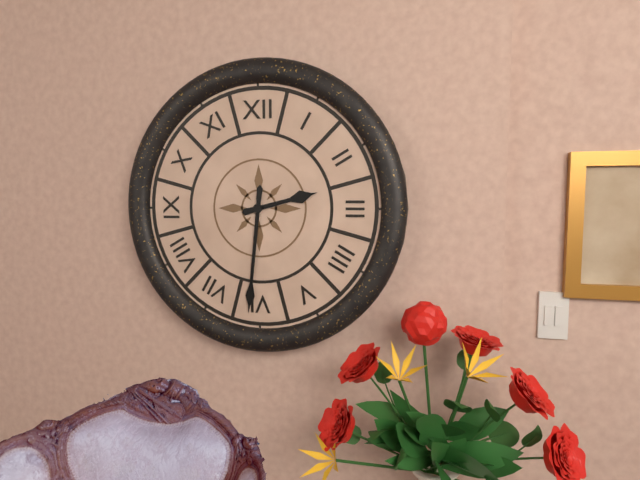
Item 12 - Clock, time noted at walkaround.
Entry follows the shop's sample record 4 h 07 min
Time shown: 2 h 31 min
